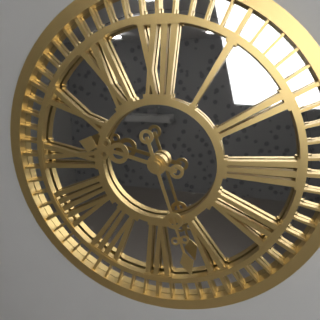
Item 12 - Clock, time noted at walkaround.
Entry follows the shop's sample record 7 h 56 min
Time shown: 9 h 27 min
